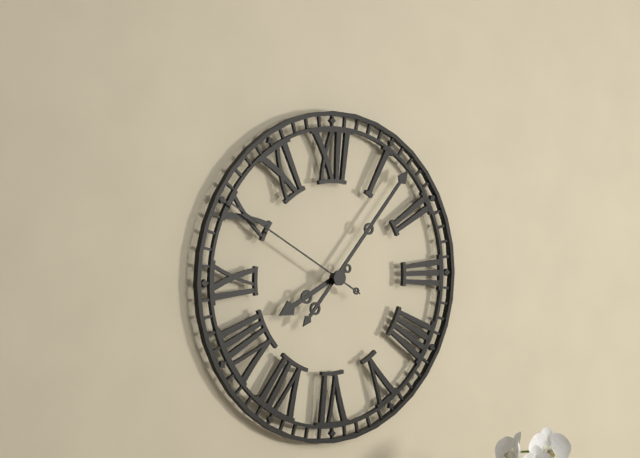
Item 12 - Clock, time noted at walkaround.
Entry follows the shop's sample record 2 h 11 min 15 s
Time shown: 8 h 07 min 50 s
